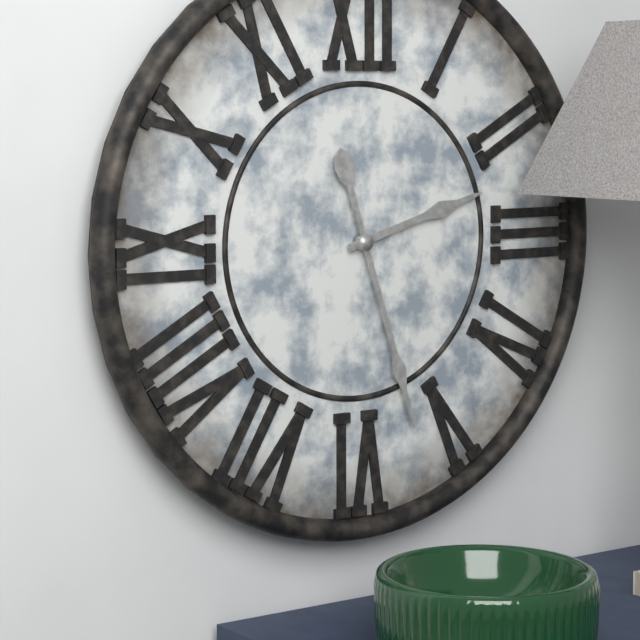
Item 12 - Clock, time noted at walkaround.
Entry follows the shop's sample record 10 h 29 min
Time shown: 2 h 27 min
